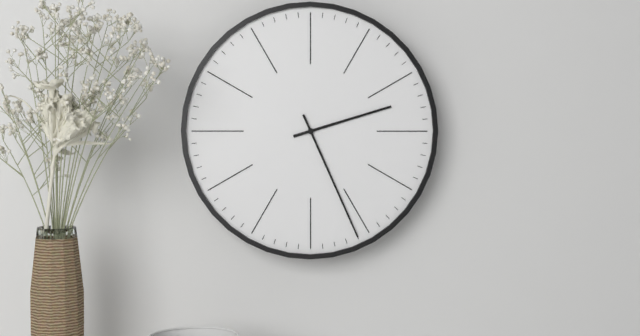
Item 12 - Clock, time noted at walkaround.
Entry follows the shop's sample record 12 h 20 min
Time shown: 2 h 26 min
